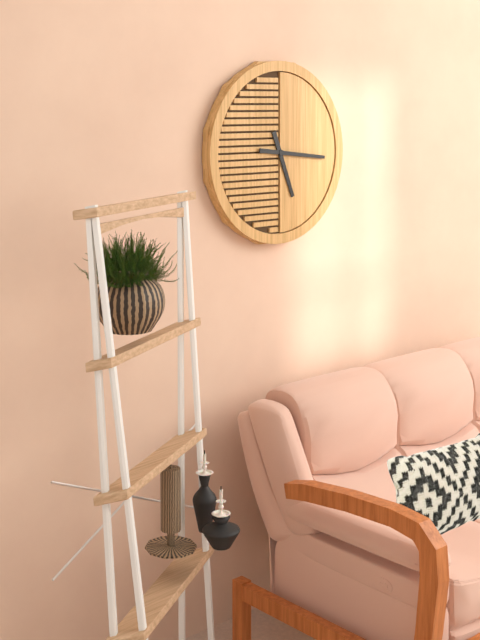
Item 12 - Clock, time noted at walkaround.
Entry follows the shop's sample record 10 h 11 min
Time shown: 5 h 16 min
